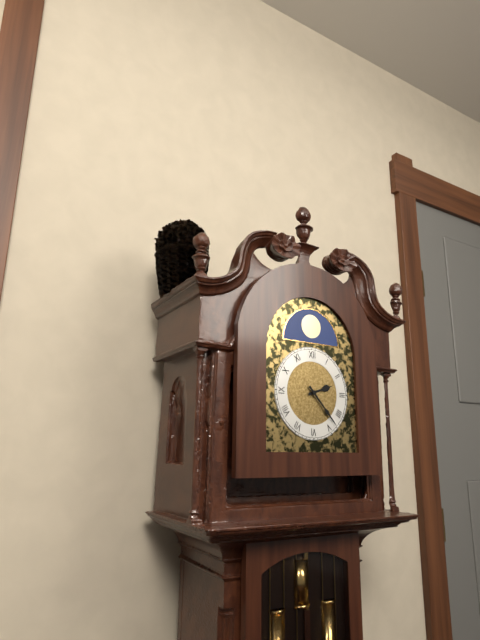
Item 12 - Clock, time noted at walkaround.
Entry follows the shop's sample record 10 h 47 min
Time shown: 2 h 23 min
